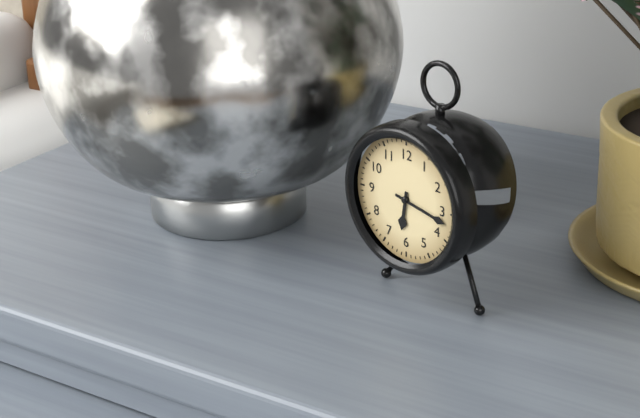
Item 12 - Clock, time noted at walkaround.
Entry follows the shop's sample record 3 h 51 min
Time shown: 6 h 17 min
